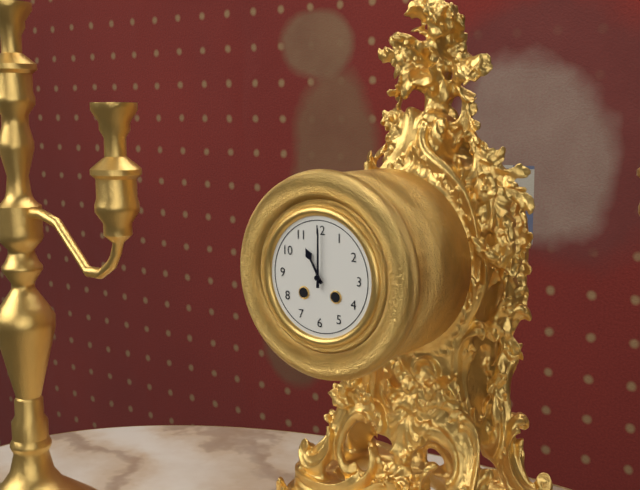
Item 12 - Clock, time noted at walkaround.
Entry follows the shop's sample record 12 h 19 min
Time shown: 11 h 00 min
